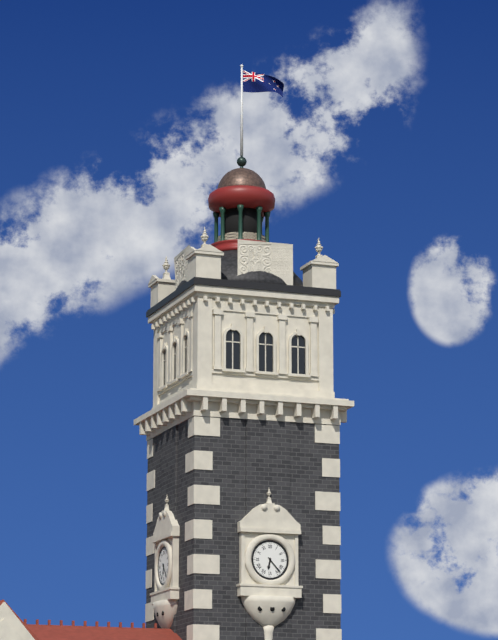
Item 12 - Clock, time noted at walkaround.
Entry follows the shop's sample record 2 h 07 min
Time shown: 6 h 23 min
